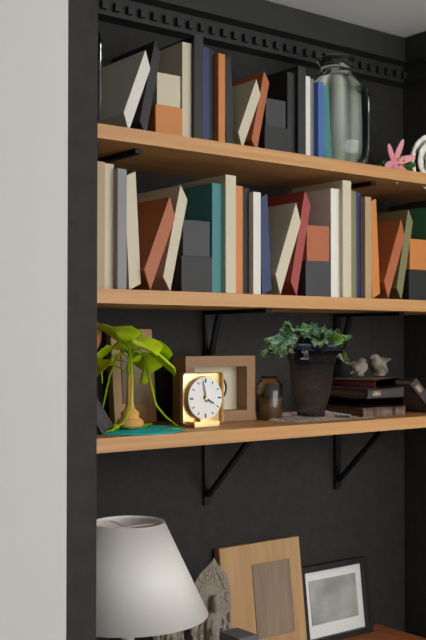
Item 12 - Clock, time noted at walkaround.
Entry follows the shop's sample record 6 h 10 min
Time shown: 3 h 58 min
